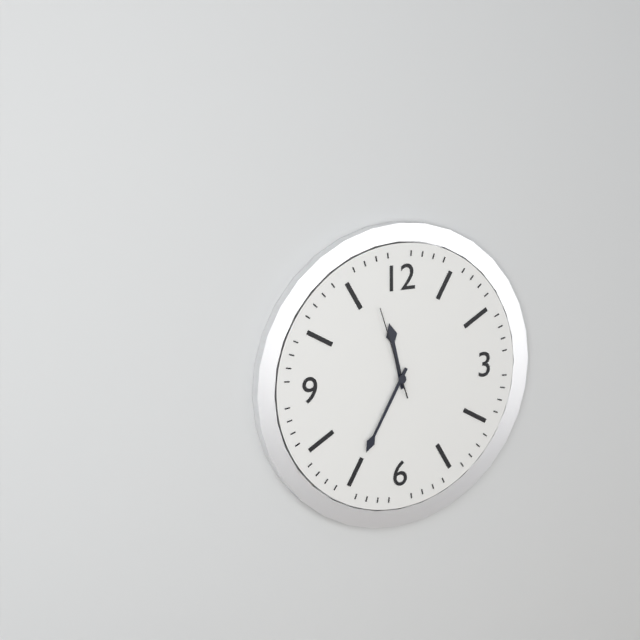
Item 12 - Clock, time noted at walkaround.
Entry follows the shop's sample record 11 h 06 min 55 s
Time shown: 11 h 35 min 57 s
